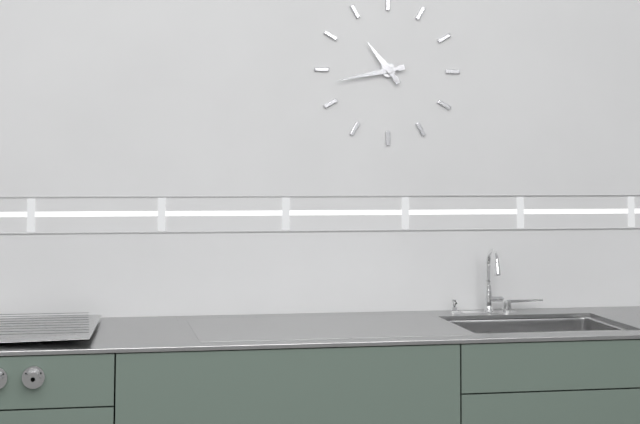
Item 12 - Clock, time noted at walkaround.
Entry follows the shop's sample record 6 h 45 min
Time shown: 10 h 43 min
